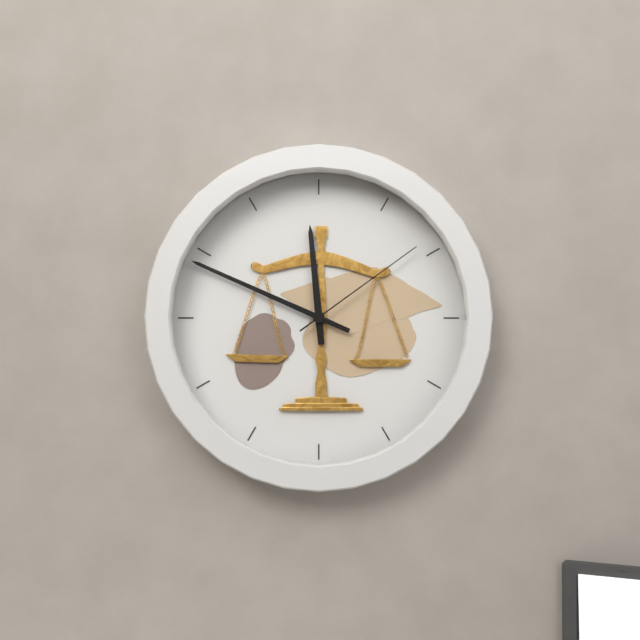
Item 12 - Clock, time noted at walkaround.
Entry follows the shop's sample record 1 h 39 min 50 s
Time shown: 11 h 49 min 09 s
